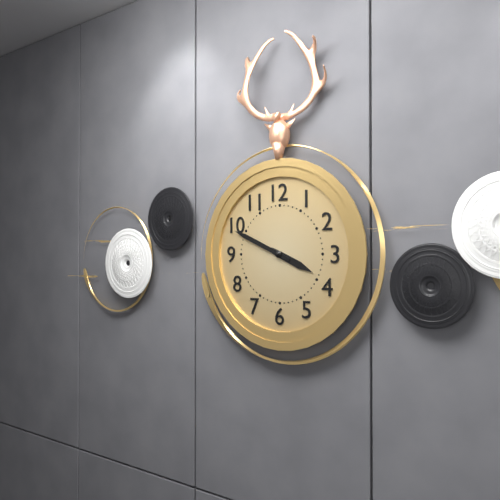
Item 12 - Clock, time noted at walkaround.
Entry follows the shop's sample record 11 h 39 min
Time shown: 3 h 49 min
